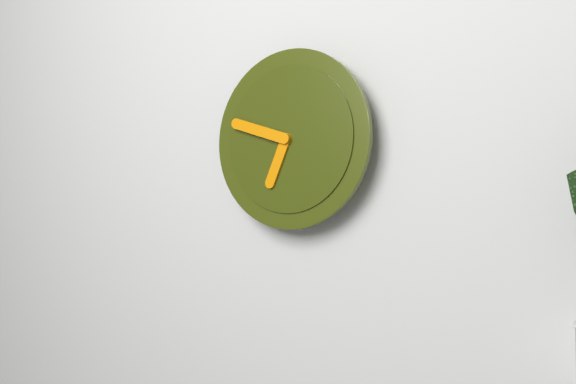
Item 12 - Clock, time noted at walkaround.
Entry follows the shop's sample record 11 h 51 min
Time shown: 6 h 48 min
